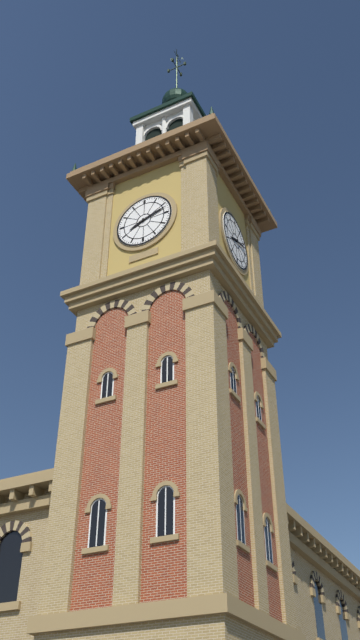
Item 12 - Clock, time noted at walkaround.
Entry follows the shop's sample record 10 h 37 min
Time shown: 8 h 12 min
